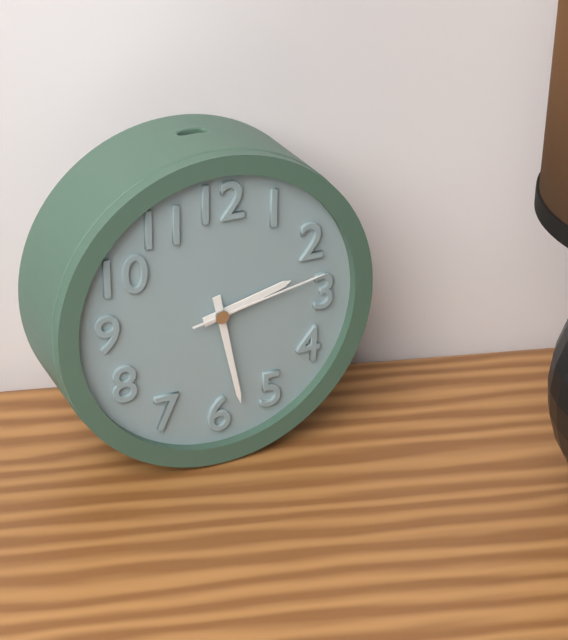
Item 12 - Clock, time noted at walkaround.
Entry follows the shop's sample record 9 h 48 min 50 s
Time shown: 2 h 28 min 13 s
